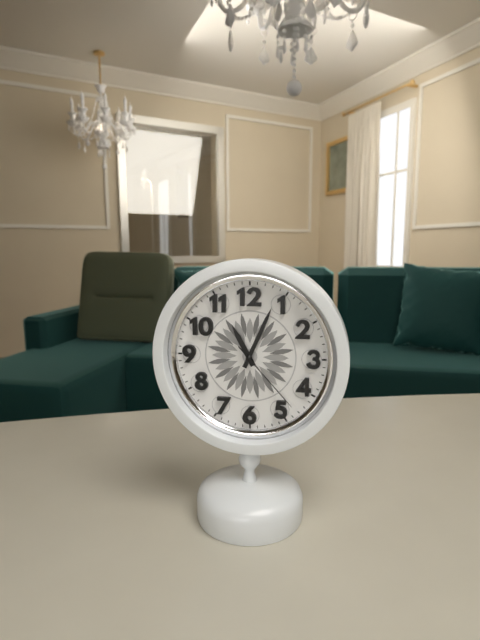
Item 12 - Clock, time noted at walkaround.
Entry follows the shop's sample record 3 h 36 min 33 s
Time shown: 11 h 04 min 23 s
